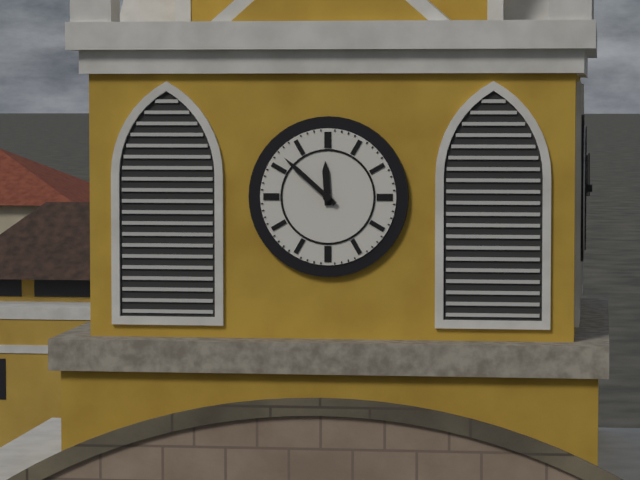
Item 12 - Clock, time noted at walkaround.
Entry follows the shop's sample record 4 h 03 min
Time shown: 11 h 52 min
